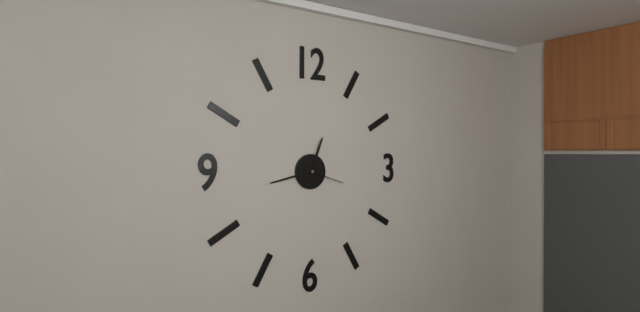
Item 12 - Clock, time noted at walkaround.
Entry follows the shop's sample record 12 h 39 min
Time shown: 12 h 43 min
